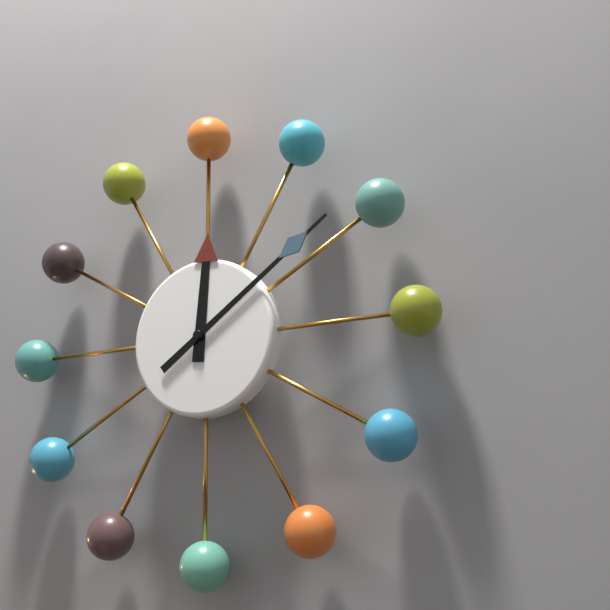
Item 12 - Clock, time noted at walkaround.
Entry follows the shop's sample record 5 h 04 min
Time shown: 12 h 09 min
